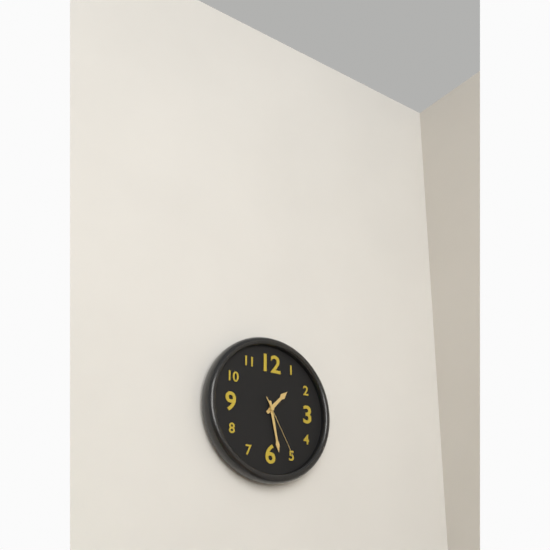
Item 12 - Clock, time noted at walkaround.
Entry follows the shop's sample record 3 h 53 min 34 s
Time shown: 1 h 28 min 25 s
